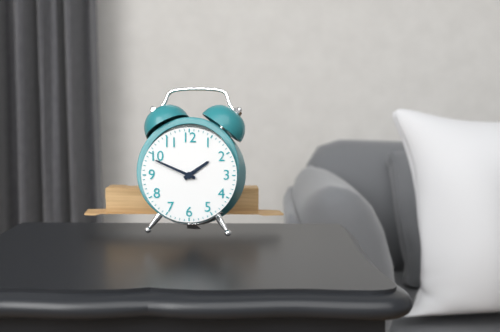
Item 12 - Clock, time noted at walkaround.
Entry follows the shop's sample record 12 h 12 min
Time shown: 1 h 49 min
